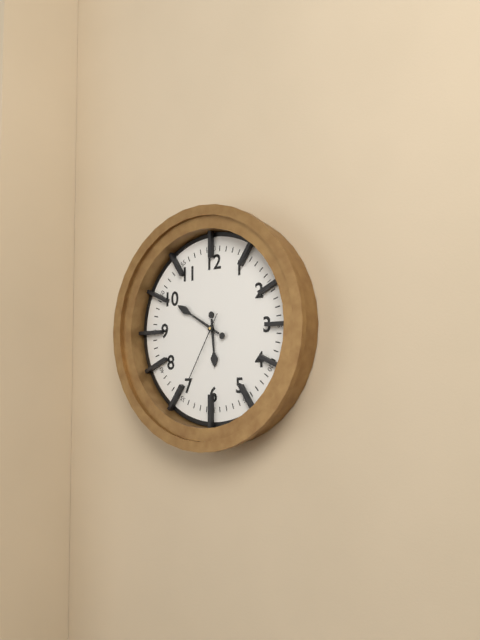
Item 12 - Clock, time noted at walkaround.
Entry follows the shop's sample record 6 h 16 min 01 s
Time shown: 5 h 50 min 35 s
